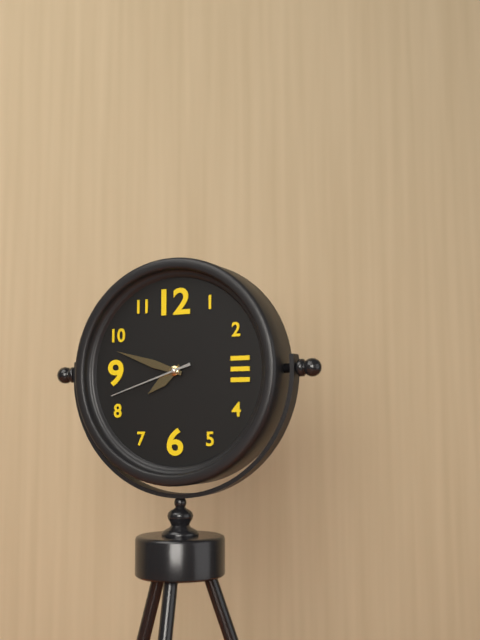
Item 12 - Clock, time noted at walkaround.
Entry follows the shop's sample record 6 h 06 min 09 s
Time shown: 7 h 48 min 42 s
